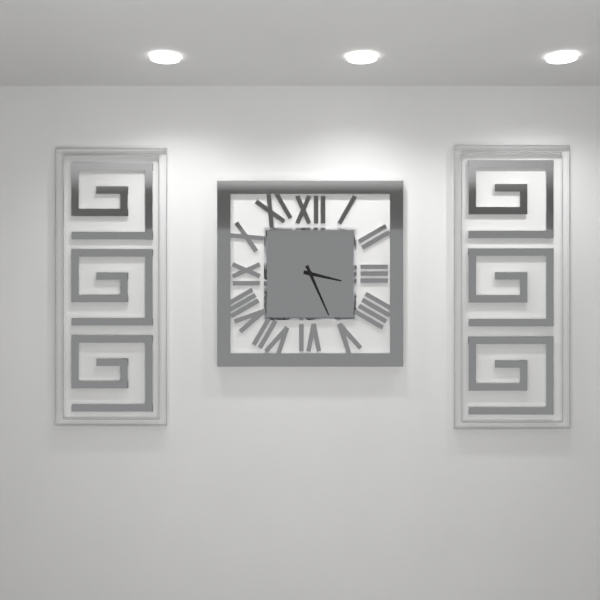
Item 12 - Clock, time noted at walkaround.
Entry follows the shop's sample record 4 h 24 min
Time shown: 3 h 26 min
